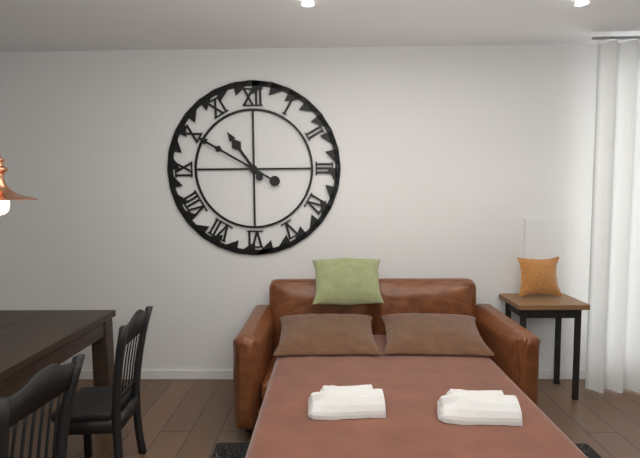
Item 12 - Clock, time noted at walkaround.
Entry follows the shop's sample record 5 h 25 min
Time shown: 10 h 50 min
